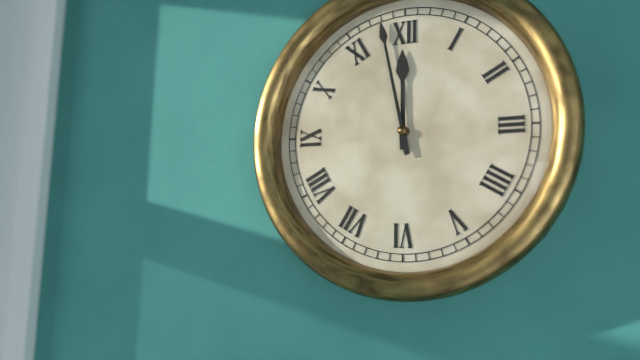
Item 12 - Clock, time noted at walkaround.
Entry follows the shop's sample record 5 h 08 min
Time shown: 11 h 58 min
